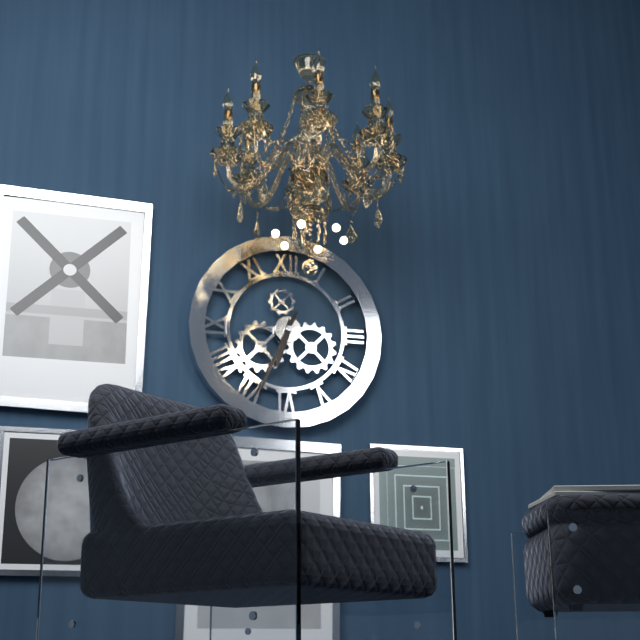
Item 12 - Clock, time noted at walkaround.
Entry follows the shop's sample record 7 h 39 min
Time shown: 6 h 34 min
